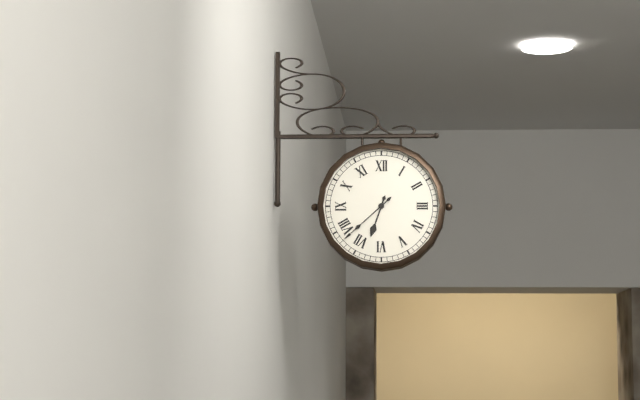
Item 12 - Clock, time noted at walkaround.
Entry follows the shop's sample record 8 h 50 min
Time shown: 6 h 38 min
